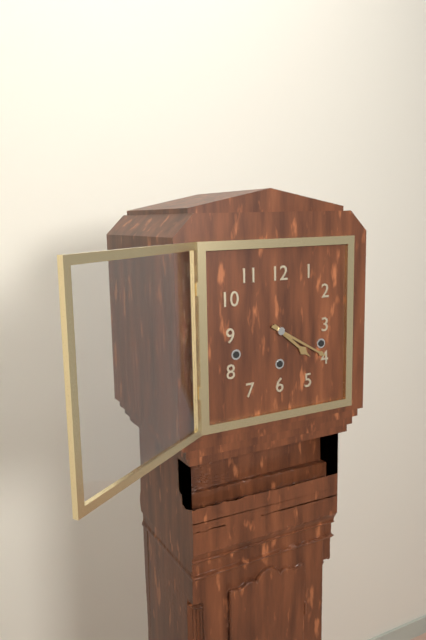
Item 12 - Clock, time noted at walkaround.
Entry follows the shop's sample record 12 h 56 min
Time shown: 4 h 20 min
